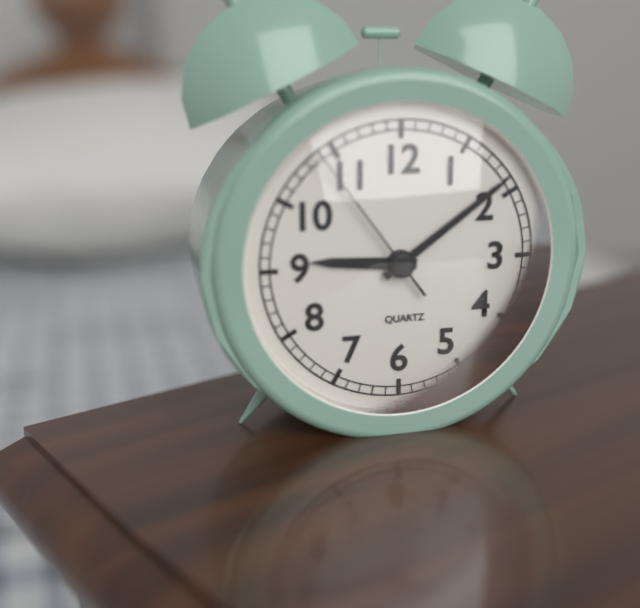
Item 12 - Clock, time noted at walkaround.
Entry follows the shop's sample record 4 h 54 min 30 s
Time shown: 9 h 09 min 54 s
